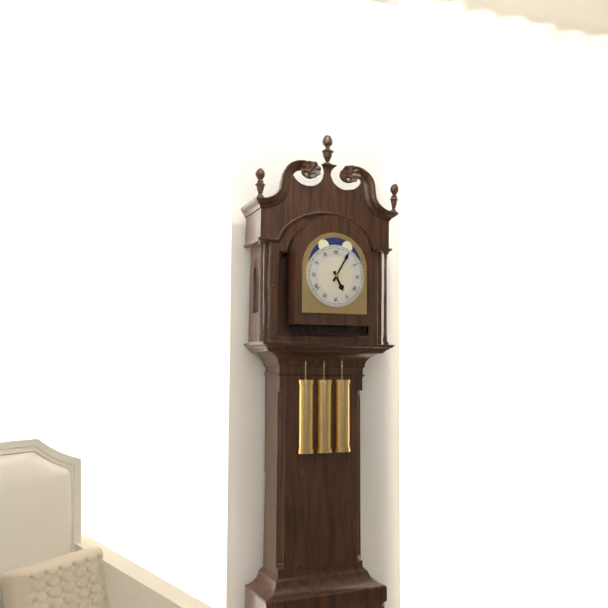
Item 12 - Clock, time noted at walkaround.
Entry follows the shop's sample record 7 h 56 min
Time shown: 5 h 05 min
